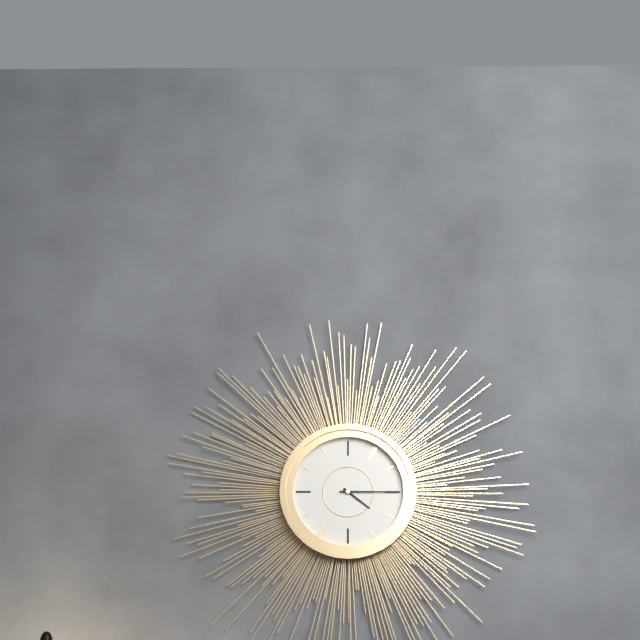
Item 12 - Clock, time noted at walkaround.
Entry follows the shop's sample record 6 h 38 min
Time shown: 4 h 15 min
